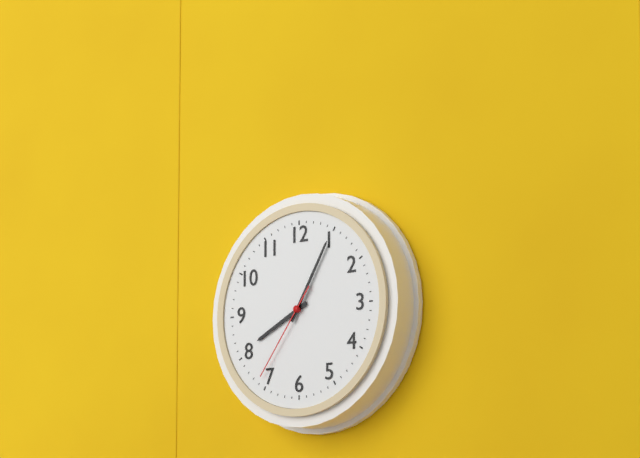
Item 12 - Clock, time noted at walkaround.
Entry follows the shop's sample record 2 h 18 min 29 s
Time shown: 8 h 05 min 36 s
